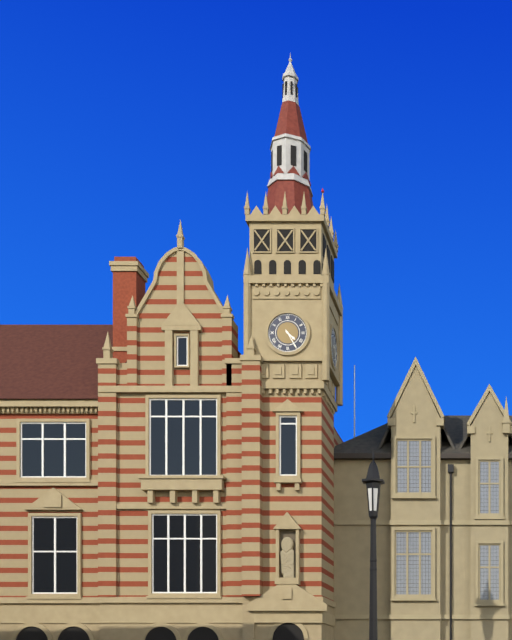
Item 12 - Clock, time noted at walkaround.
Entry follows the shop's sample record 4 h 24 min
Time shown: 4 h 25 min
